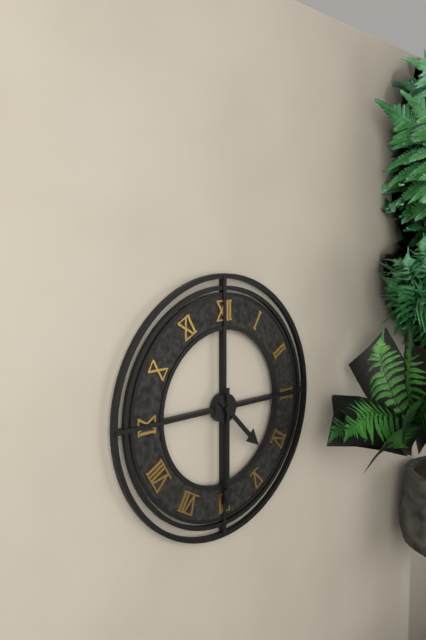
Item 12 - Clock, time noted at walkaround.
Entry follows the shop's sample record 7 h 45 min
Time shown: 4 h 30 min
